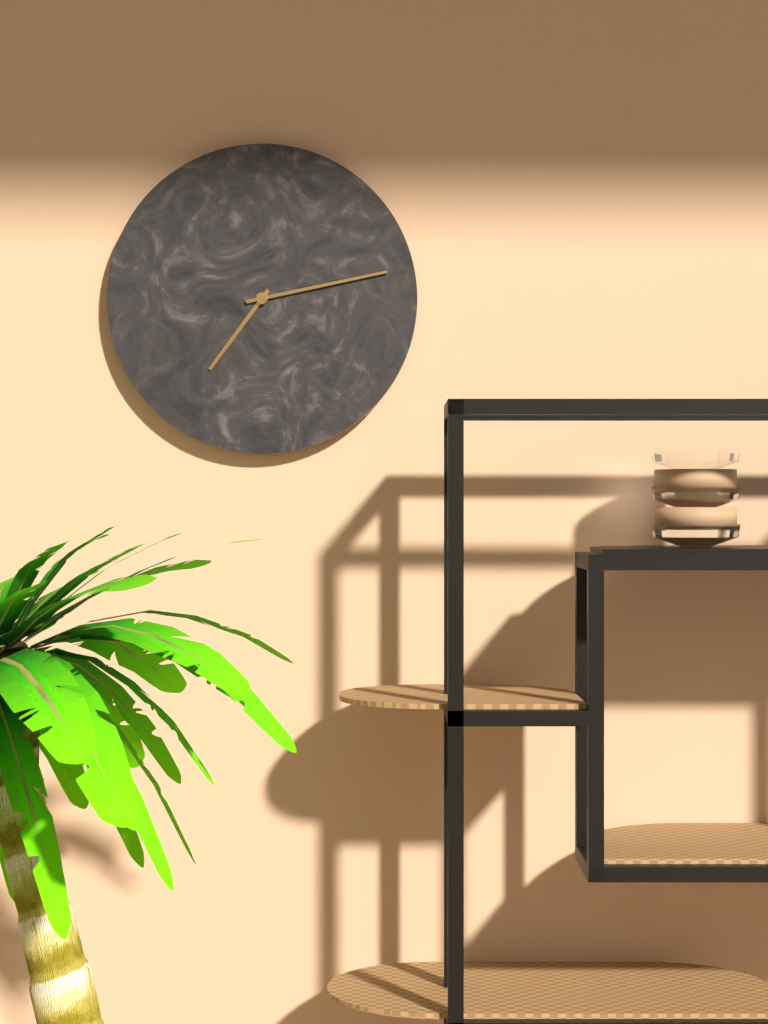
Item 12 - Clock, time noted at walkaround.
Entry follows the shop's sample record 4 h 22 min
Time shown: 7 h 13 min
